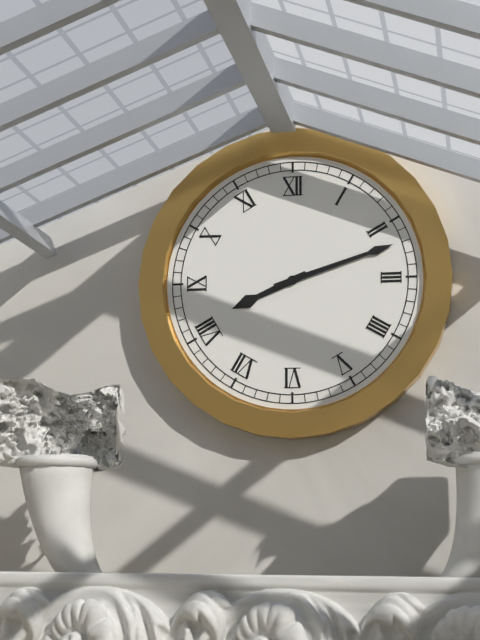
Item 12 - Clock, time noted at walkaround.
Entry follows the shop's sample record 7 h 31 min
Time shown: 8 h 12 min
